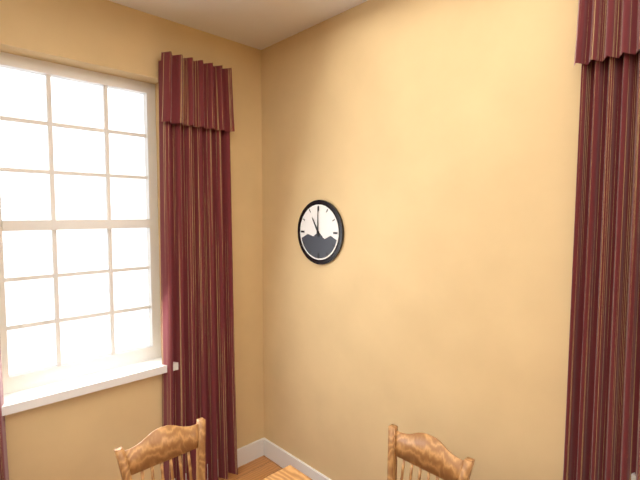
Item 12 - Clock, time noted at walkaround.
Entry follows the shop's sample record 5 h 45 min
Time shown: 11 h 00 min
